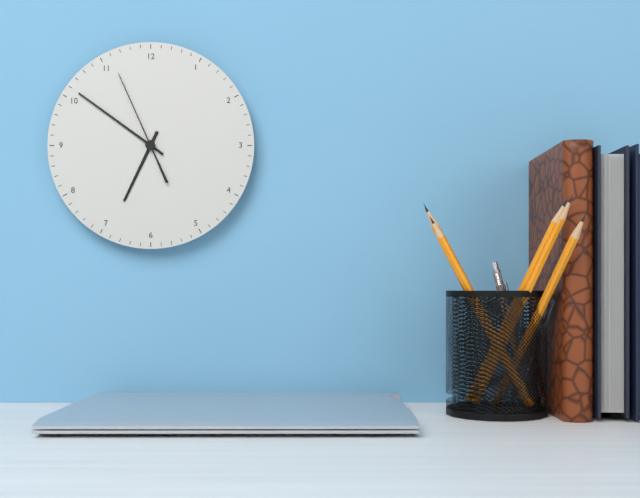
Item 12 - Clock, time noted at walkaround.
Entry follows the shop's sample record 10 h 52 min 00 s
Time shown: 6 h 51 min 56 s
